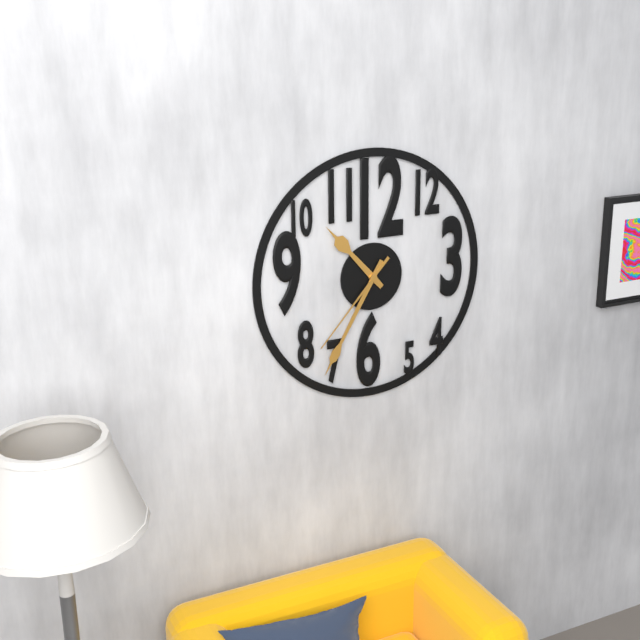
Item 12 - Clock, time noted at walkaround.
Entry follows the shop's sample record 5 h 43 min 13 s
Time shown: 10 h 35 min 37 s
